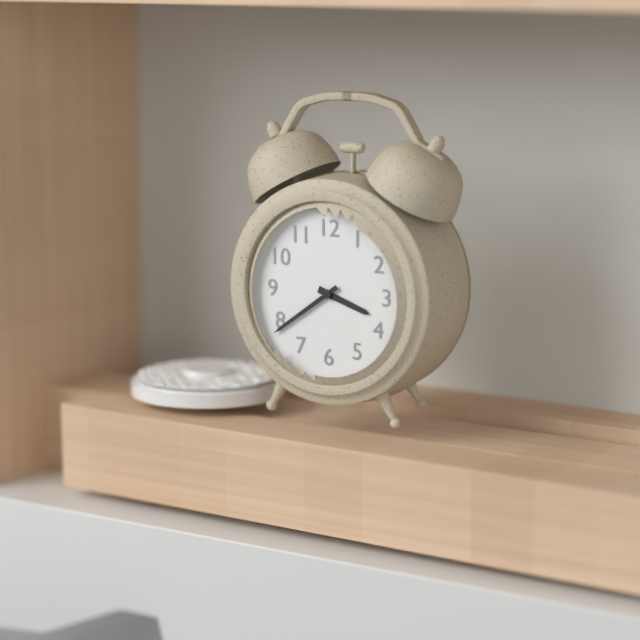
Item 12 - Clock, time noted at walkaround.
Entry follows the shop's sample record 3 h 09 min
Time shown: 3 h 39 min
